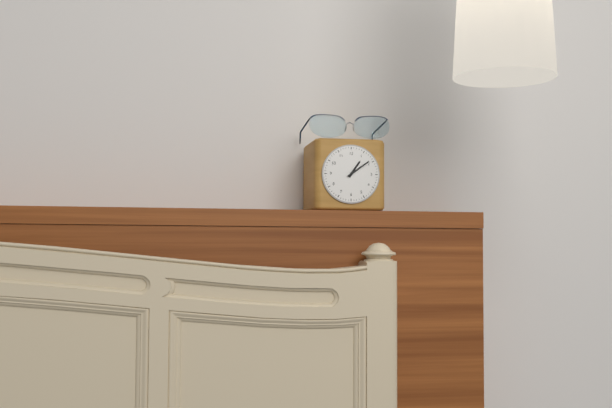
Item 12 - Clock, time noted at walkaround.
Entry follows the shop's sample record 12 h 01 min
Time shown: 1 h 09 min
